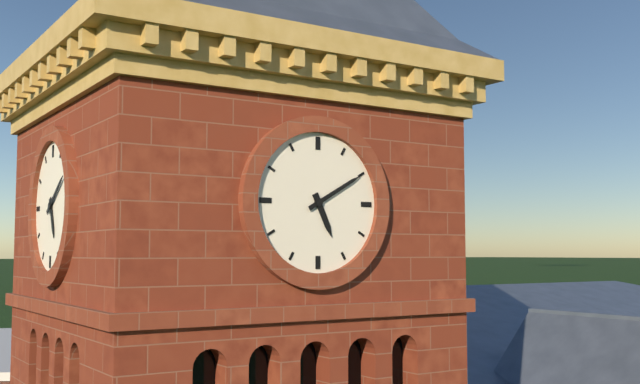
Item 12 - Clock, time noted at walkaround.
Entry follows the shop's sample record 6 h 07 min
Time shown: 5 h 10 min
